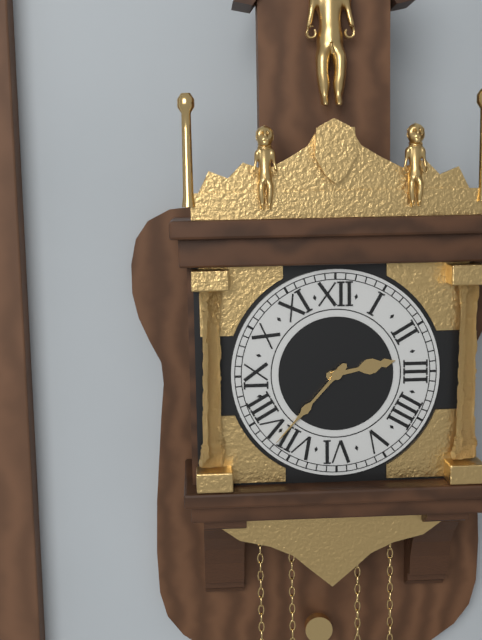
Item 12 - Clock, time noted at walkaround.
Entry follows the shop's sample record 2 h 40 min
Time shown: 2 h 37 min
